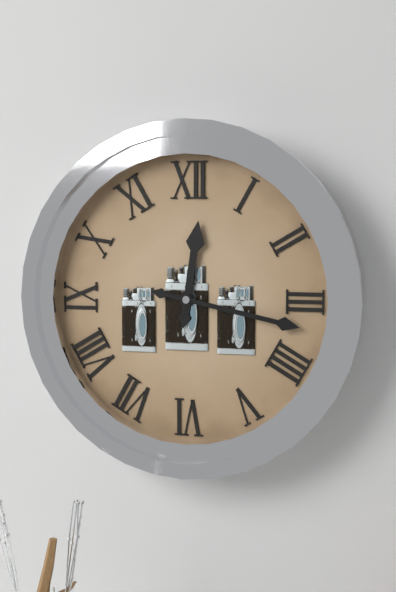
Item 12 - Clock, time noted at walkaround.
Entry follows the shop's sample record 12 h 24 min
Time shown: 12 h 17 min
